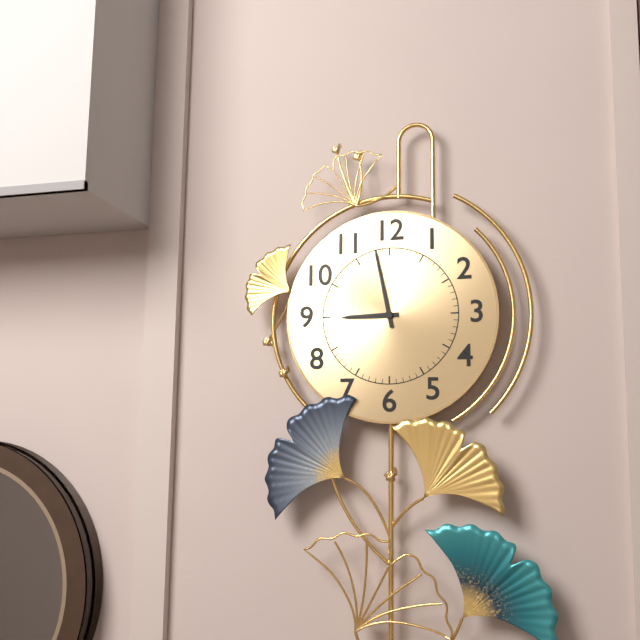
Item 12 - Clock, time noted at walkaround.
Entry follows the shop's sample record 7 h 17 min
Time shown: 8 h 58 min
